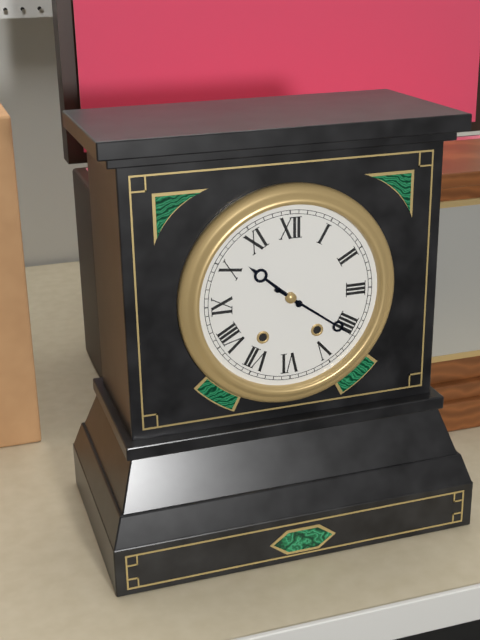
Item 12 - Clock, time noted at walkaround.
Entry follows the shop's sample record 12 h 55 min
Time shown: 10 h 21 min
